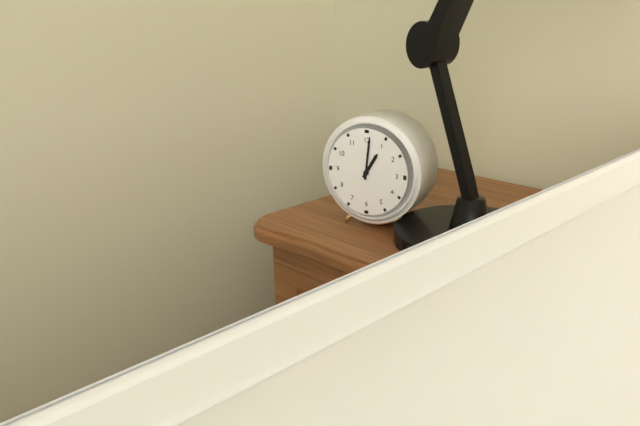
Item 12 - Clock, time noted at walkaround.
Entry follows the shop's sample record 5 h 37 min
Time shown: 1 h 01 min
